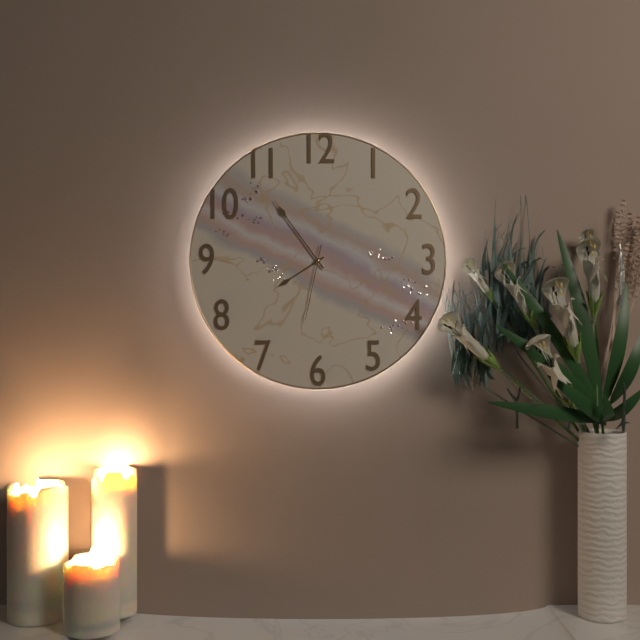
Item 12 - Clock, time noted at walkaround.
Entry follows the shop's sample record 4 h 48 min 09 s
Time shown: 7 h 54 min 32 s
